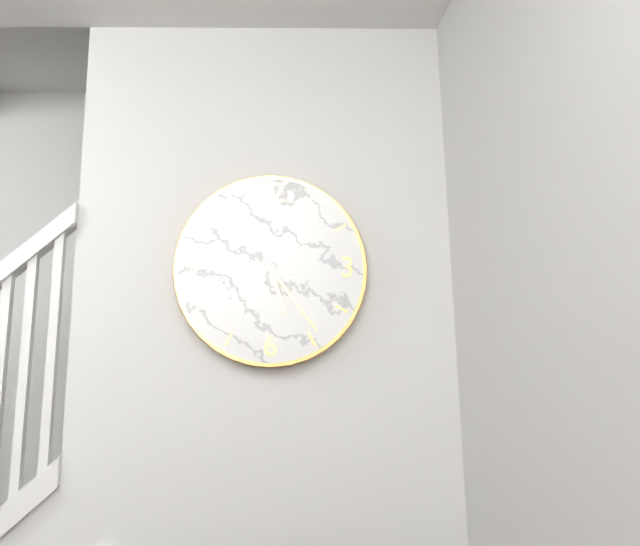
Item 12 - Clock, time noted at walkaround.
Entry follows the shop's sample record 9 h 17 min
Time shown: 5 h 24 min
